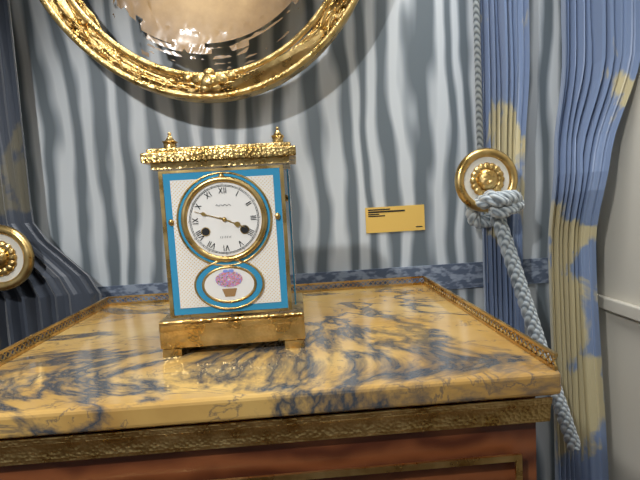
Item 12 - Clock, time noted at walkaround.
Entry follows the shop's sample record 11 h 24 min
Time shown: 3 h 48 min
